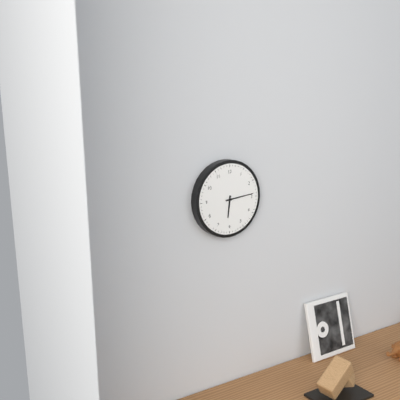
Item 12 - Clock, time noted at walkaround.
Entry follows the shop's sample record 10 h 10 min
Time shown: 6 h 14 min
